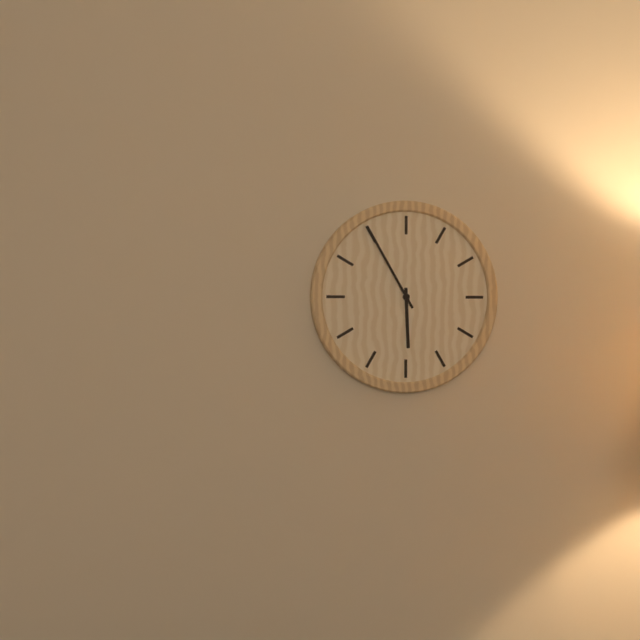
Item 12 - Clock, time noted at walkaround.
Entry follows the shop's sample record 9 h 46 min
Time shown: 5 h 55 min
